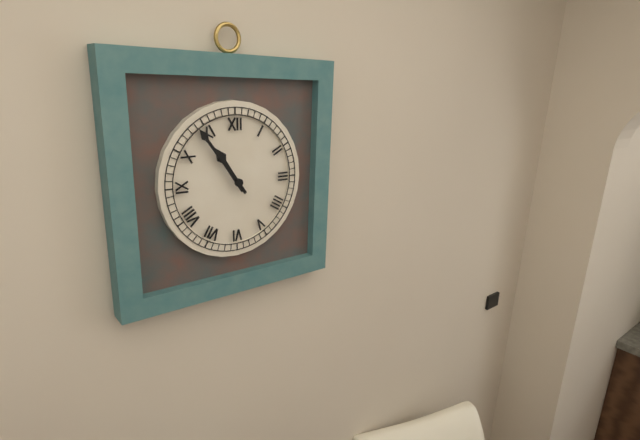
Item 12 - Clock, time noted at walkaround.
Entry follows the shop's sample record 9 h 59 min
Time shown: 10 h 54 min
